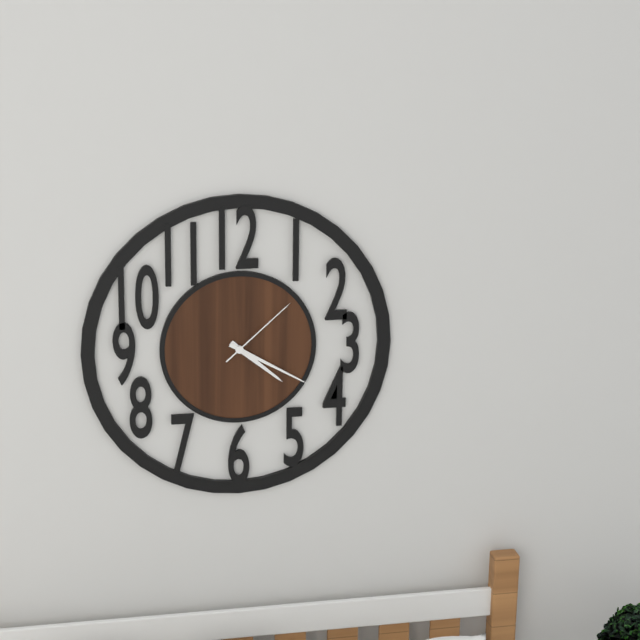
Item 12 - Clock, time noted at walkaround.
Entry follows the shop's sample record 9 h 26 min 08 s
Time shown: 4 h 20 min 08 s
